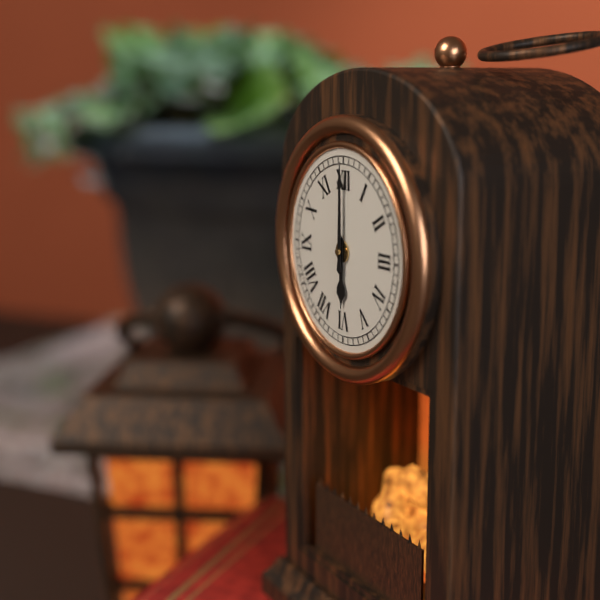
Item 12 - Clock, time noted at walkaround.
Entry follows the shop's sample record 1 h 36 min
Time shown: 6 h 00 min
